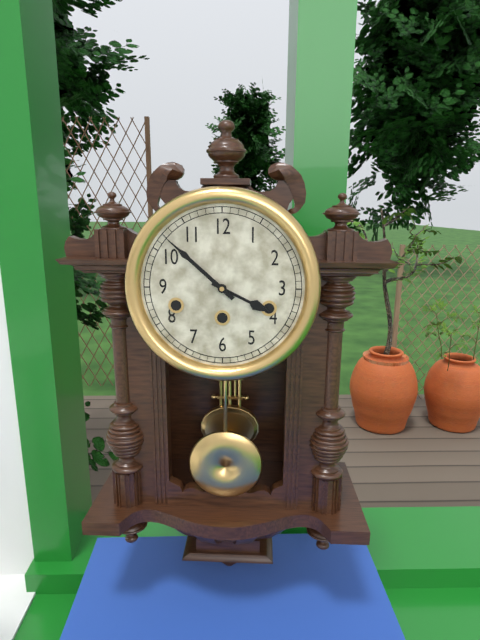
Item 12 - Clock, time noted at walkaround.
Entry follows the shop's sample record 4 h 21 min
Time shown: 3 h 52 min
